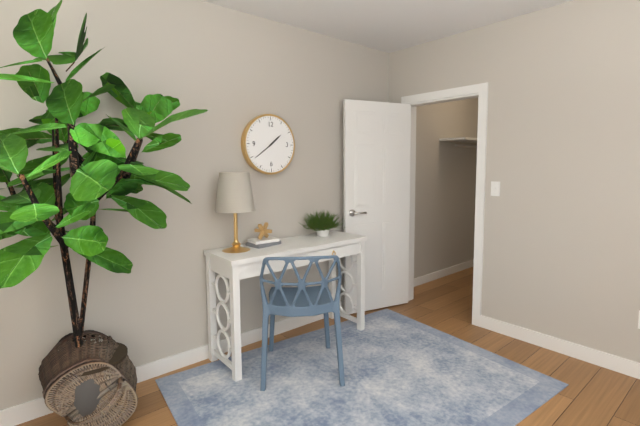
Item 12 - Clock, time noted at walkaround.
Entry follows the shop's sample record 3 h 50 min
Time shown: 1 h 39 min
